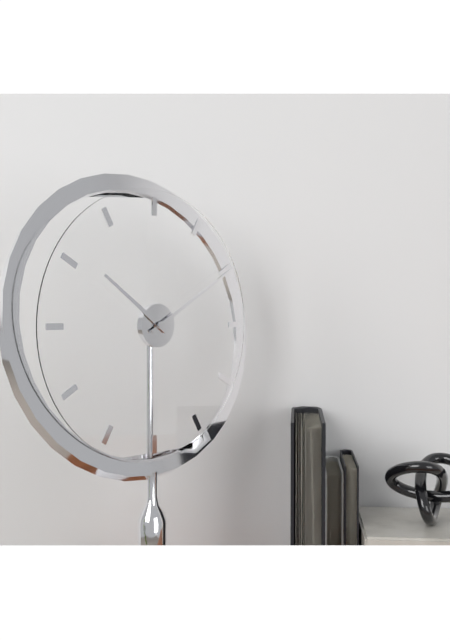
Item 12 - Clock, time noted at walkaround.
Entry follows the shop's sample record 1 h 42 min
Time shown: 10 h 10 min
